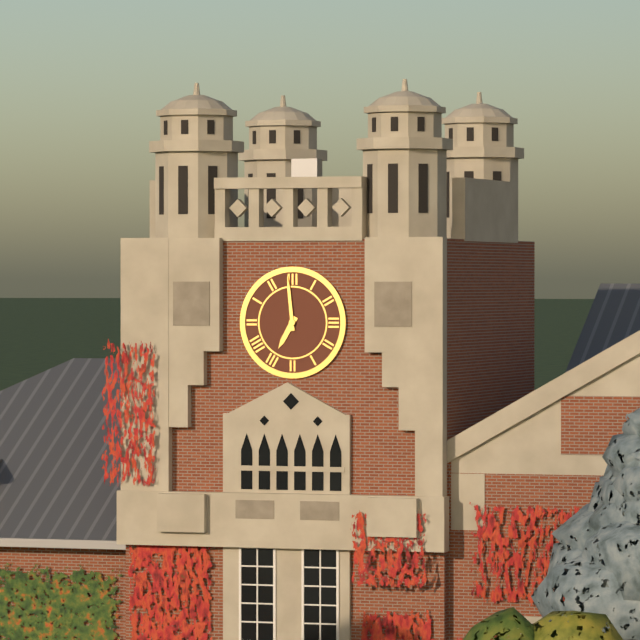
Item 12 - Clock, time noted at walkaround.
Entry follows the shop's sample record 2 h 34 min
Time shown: 6 h 59 min
